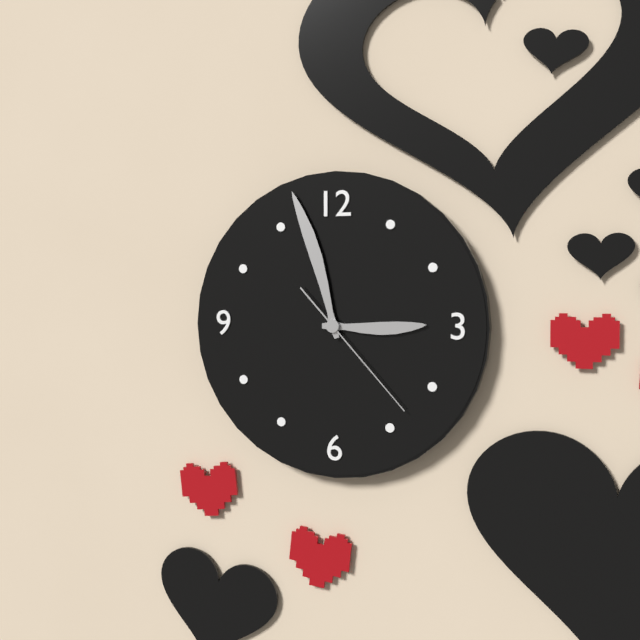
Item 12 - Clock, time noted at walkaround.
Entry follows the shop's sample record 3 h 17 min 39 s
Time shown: 2 h 57 min 23 s
